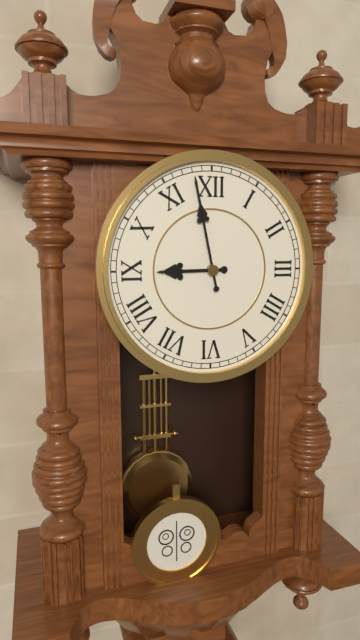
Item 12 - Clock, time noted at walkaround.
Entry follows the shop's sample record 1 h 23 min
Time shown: 8 h 58 min
